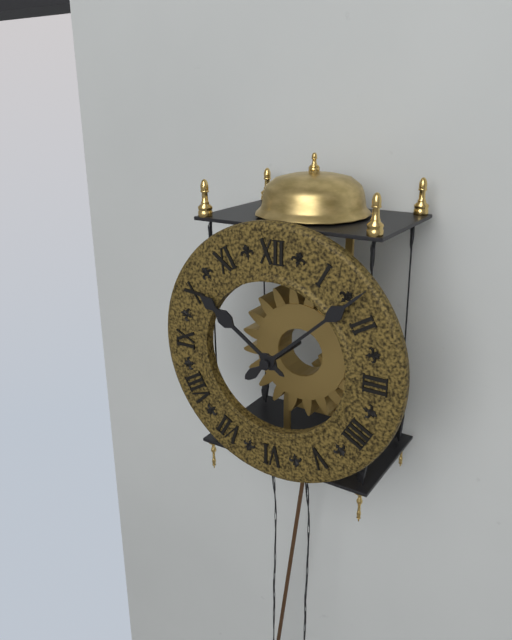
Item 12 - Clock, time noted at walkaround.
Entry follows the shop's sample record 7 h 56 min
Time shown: 10 h 08 min
